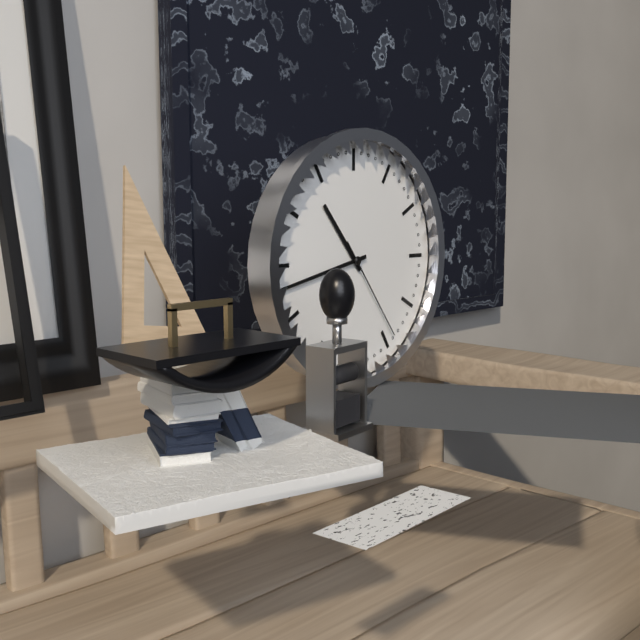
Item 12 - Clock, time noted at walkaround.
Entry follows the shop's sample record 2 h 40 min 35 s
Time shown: 10 h 43 min 24 s
